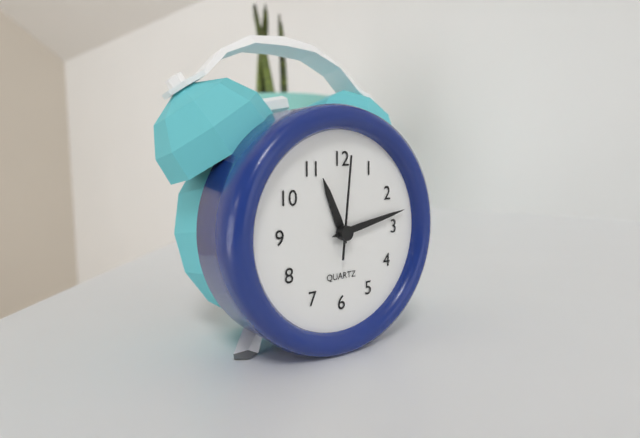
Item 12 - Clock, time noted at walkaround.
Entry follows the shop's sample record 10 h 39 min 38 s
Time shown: 11 h 13 min 01 s
